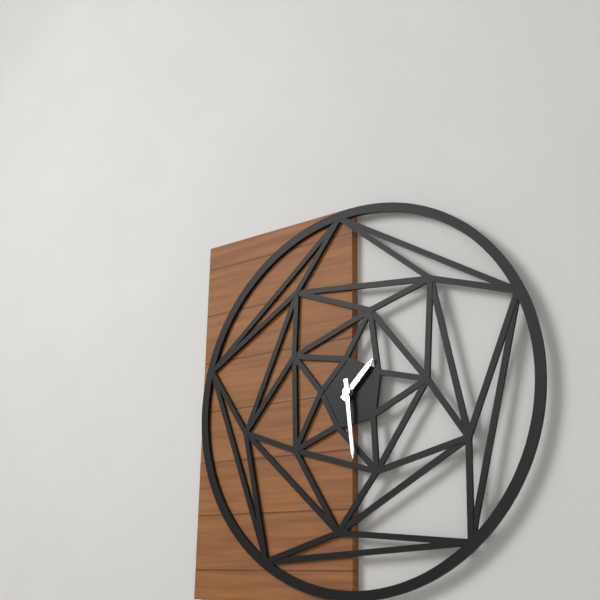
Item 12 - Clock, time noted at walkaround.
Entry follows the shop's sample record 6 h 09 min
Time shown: 1 h 29 min
